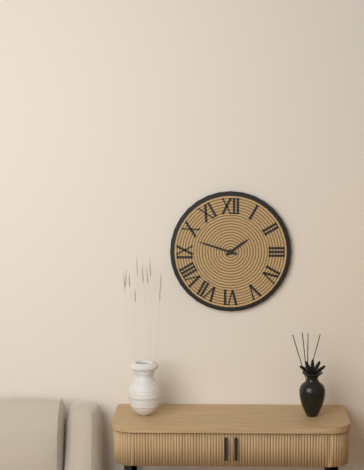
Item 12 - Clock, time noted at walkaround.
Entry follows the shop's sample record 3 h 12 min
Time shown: 1 h 48 min
